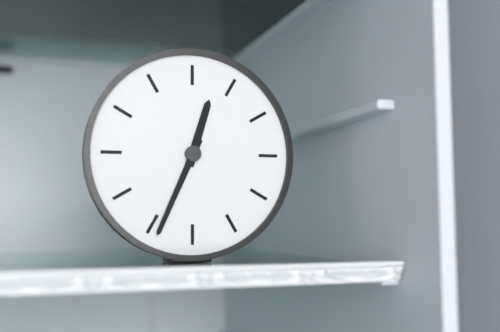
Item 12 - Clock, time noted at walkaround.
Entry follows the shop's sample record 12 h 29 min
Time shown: 12 h 34 min
